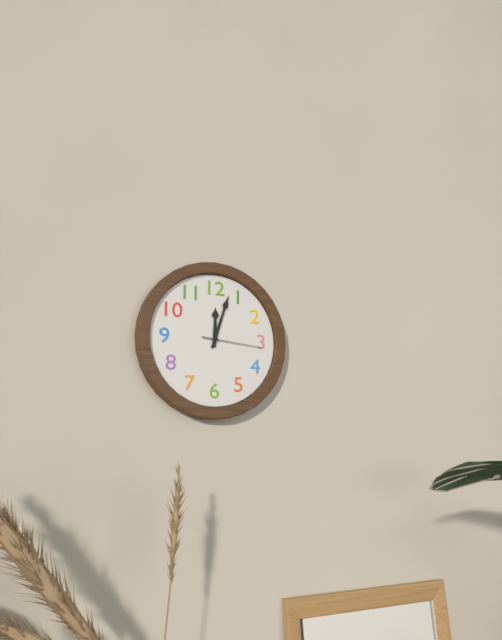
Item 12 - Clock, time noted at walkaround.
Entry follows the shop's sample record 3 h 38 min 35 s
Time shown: 12 h 03 min 16 s
